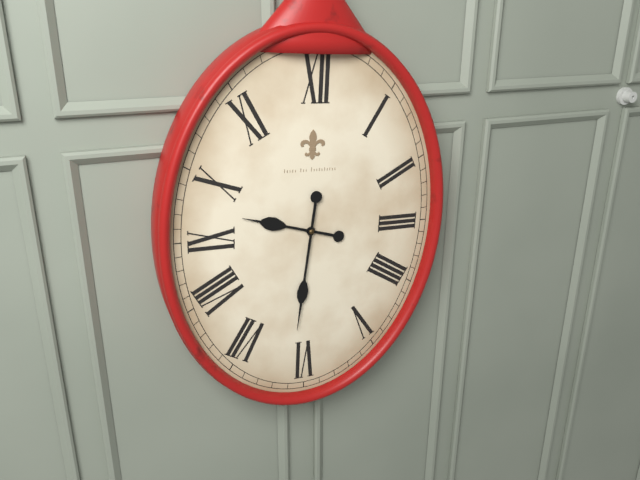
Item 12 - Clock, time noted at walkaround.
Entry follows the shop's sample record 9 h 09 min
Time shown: 9 h 31 min
